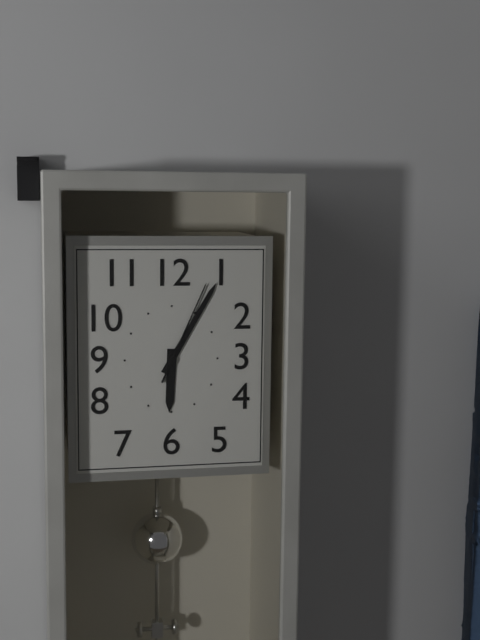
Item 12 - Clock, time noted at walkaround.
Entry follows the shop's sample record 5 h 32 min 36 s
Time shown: 6 h 05 min 04 s
